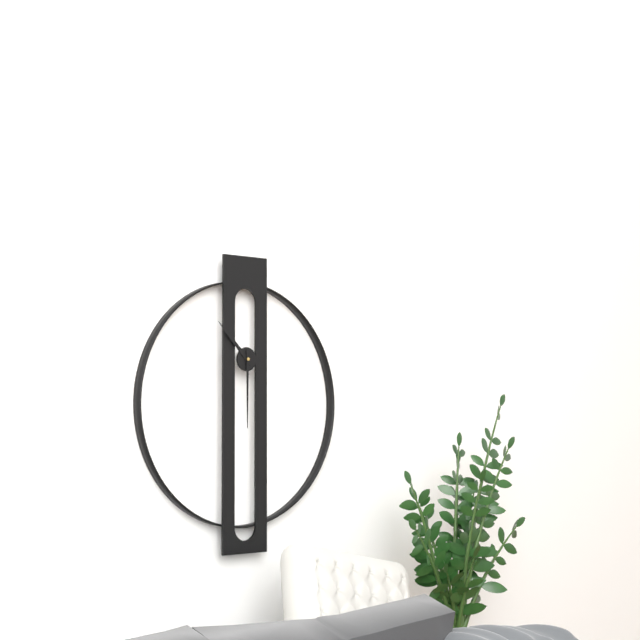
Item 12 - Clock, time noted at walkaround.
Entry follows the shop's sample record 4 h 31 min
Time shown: 10 h 30 min
